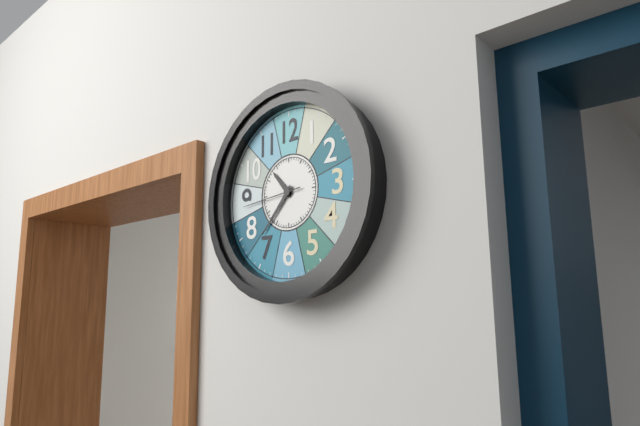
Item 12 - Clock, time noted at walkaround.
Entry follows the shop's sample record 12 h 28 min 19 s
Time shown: 10 h 37 min 44 s
